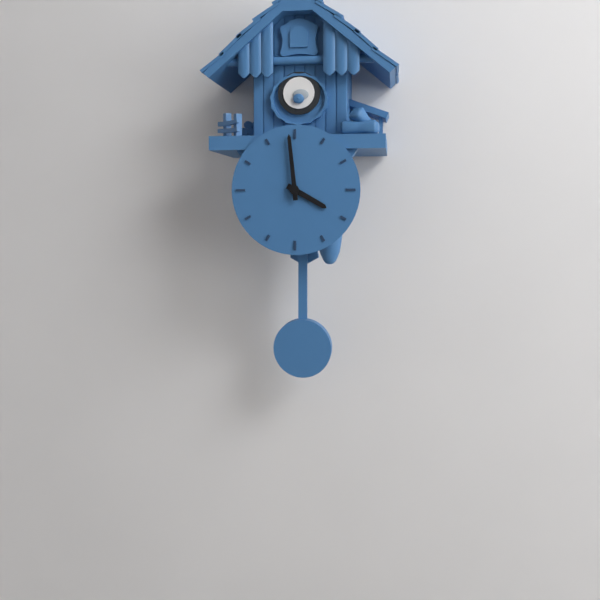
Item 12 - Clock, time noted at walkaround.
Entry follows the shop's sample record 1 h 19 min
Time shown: 3 h 59 min
